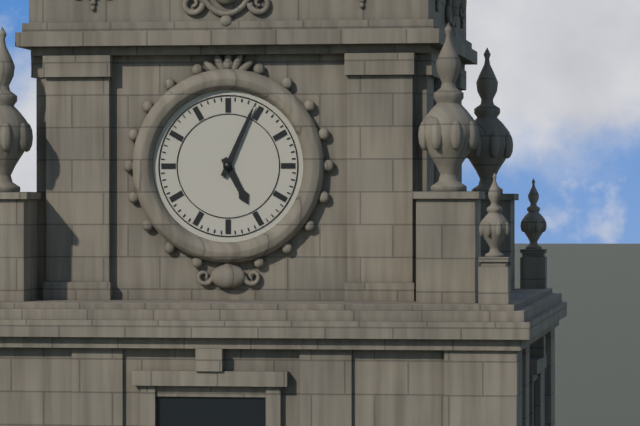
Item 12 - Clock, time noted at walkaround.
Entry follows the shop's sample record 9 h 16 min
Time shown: 5 h 04 min
